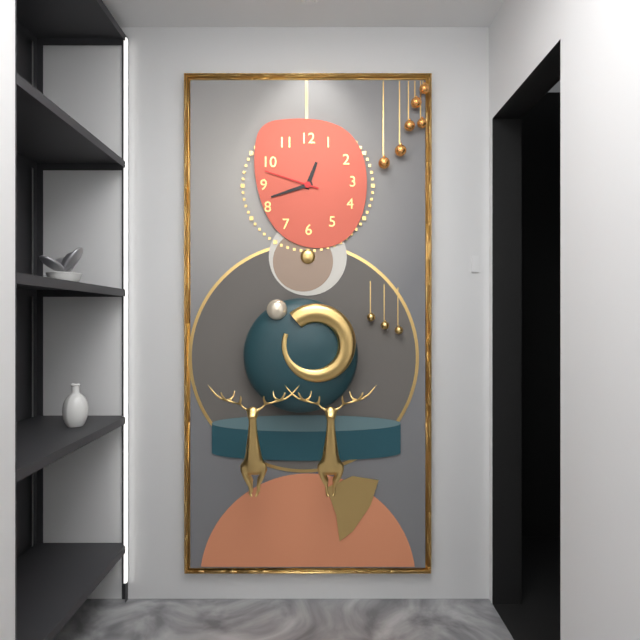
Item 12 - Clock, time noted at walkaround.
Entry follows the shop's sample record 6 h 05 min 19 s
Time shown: 12 h 42 min 48 s
